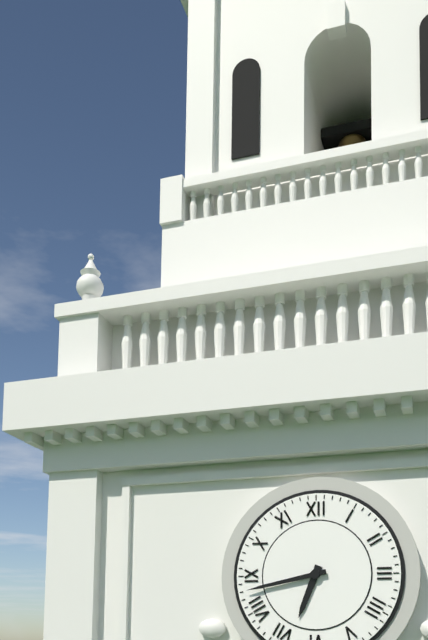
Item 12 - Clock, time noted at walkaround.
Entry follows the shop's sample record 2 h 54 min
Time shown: 6 h 43 min
